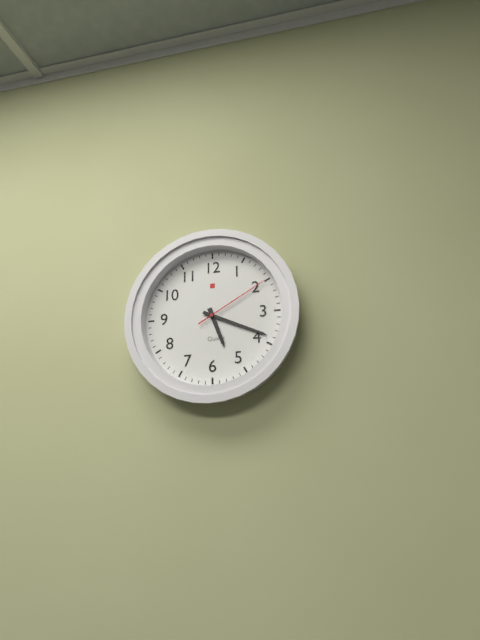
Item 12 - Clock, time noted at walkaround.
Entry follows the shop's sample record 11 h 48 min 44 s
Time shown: 5 h 19 min 10 s
